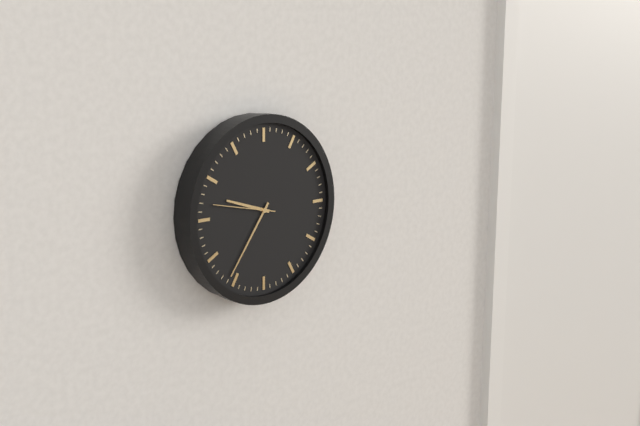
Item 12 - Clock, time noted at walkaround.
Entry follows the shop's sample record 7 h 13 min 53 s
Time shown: 9 h 36 min 47 s
